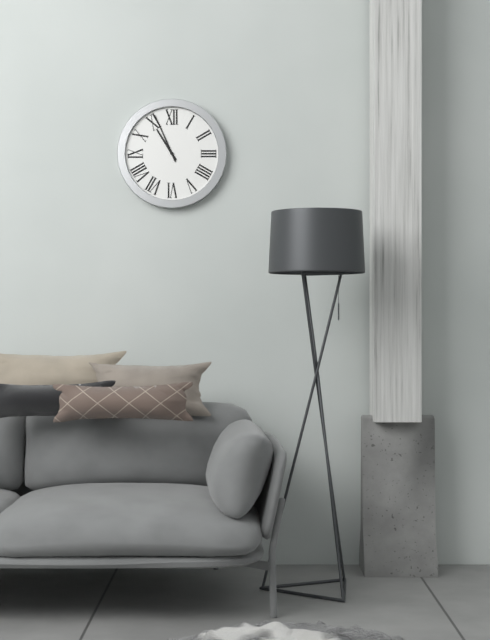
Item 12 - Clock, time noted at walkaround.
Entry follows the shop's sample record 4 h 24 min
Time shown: 10 h 56 min
